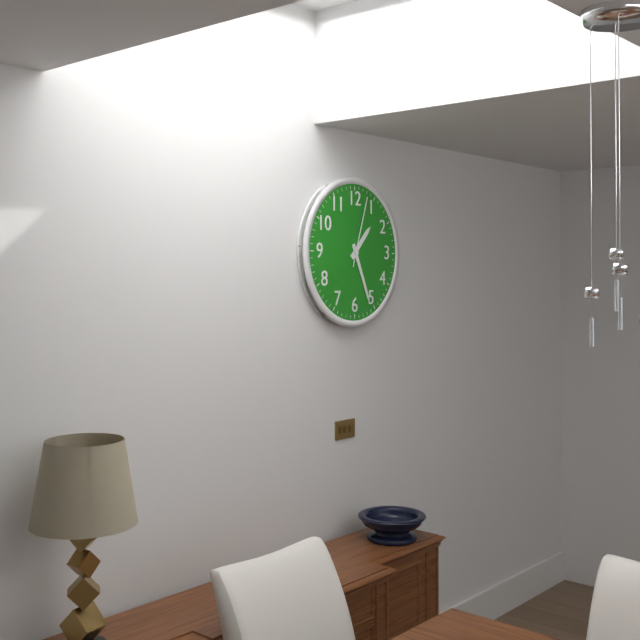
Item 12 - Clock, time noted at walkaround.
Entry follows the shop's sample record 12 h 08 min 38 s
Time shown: 1 h 26 min 03 s
